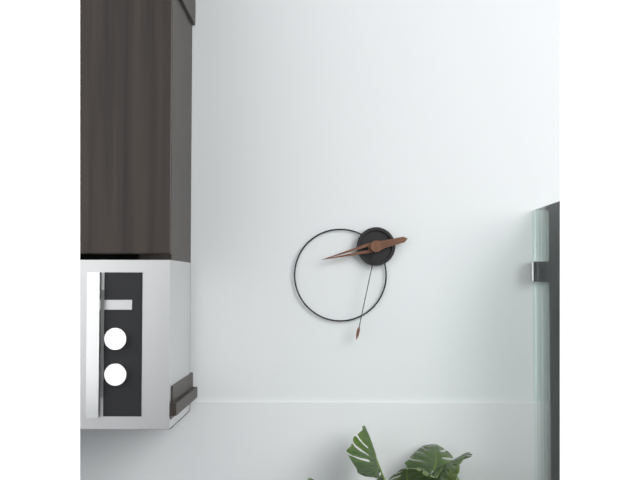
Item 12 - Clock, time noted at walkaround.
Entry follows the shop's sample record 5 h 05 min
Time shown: 8 h 32 min
